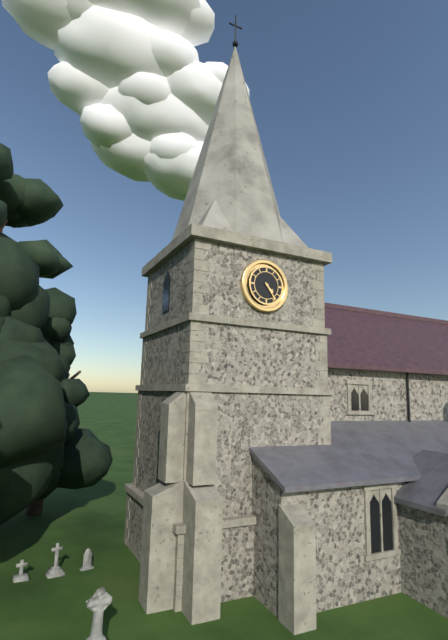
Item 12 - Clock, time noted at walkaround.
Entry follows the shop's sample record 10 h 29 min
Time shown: 4 h 24 min
